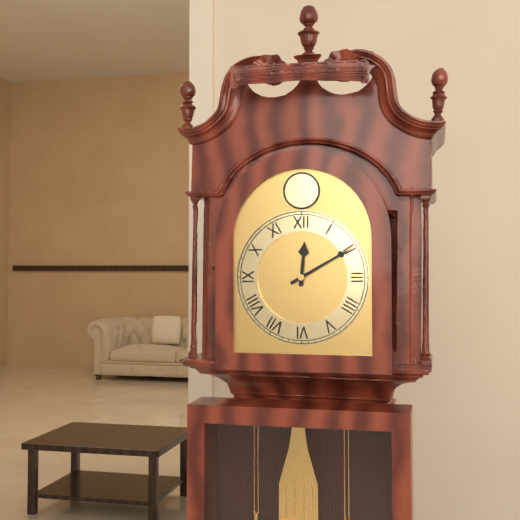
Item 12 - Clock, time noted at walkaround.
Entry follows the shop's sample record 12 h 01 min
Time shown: 12 h 10 min
